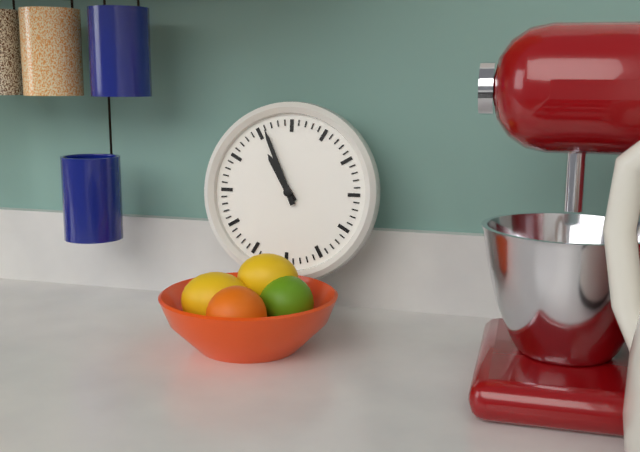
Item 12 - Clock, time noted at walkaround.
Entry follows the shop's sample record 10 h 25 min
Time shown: 10 h 56 min
